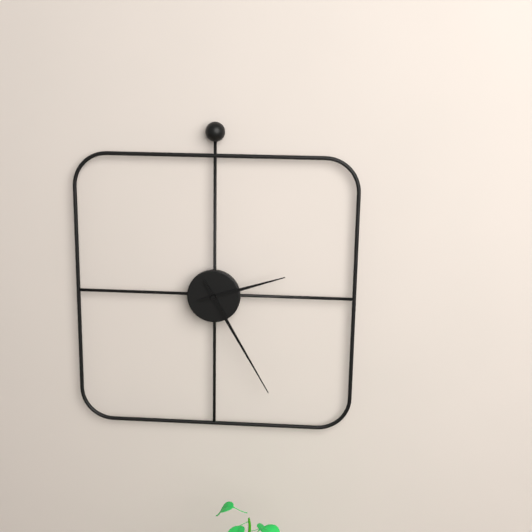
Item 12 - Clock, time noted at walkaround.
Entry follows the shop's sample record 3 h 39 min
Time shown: 2 h 25 min
